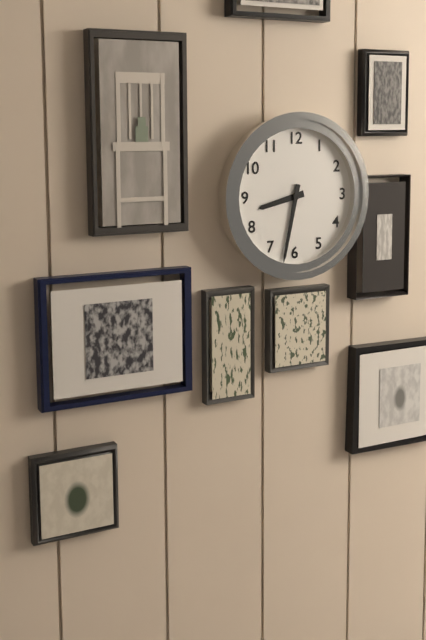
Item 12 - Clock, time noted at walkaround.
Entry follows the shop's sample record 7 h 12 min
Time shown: 8 h 32 min
